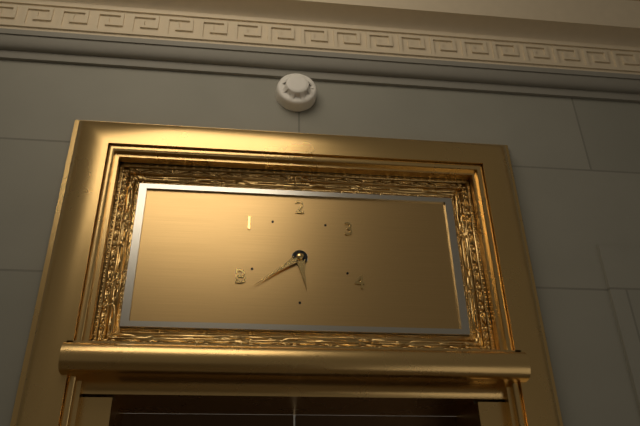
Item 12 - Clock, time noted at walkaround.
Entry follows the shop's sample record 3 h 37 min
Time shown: 5 h 39 min
